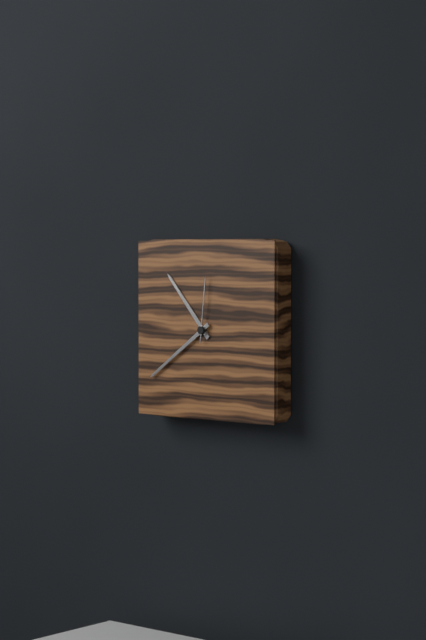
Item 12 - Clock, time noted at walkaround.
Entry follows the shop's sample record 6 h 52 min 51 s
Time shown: 10 h 39 min 01 s
